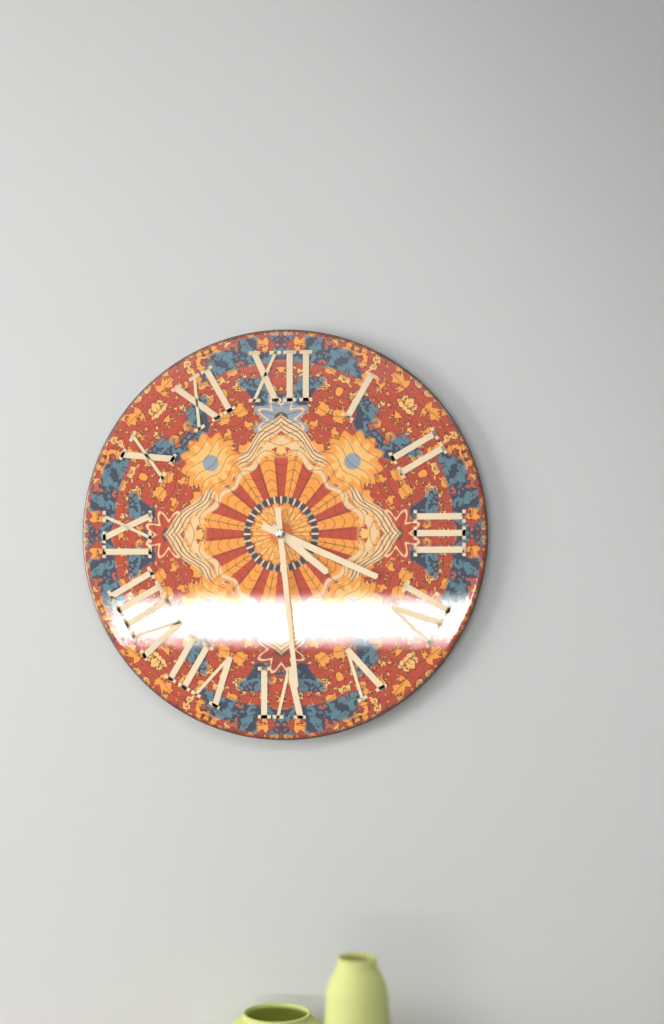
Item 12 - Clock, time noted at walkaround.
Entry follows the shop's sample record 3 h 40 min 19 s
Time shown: 4 h 19 min 29 s
